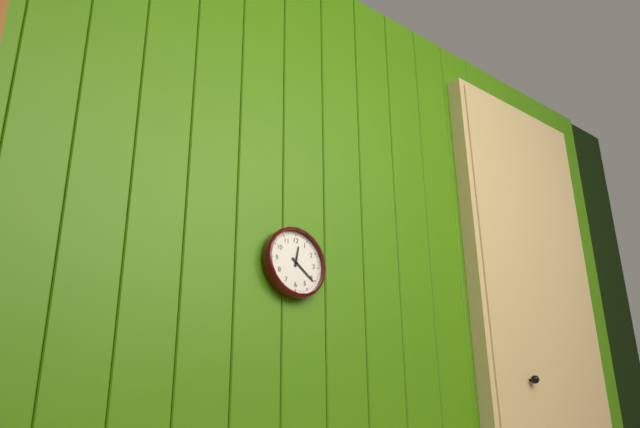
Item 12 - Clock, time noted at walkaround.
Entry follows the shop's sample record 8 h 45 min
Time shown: 12 h 21 min
